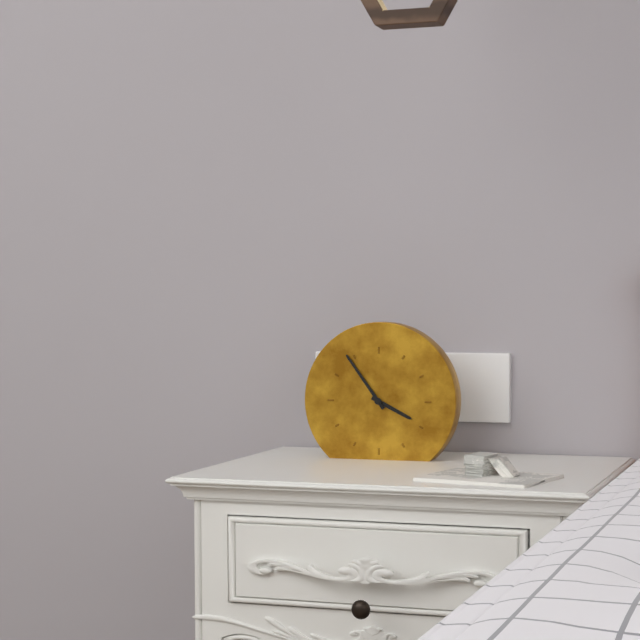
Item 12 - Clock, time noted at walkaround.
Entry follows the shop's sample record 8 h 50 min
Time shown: 3 h 54 min
